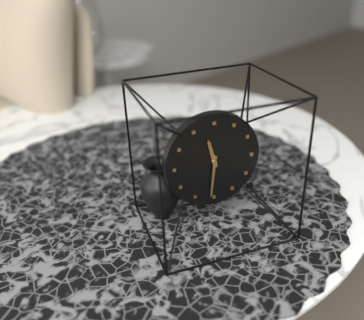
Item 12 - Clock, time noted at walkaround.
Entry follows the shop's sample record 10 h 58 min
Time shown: 11 h 31 min
